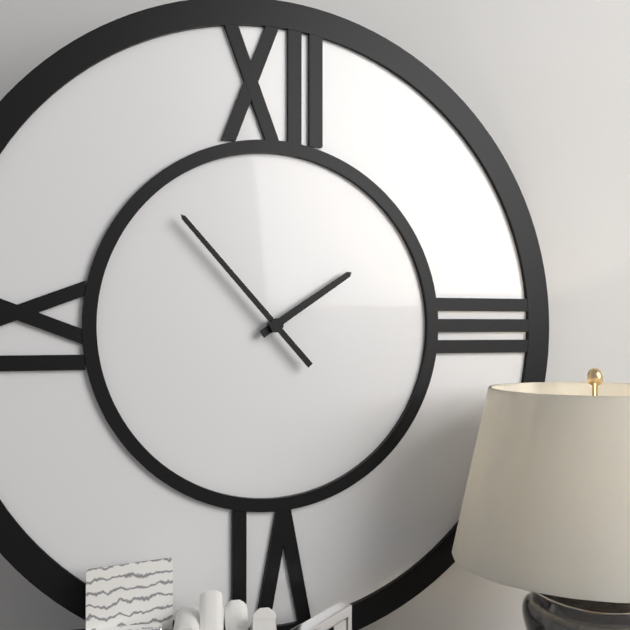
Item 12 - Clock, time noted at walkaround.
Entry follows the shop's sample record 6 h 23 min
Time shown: 1 h 53 min
